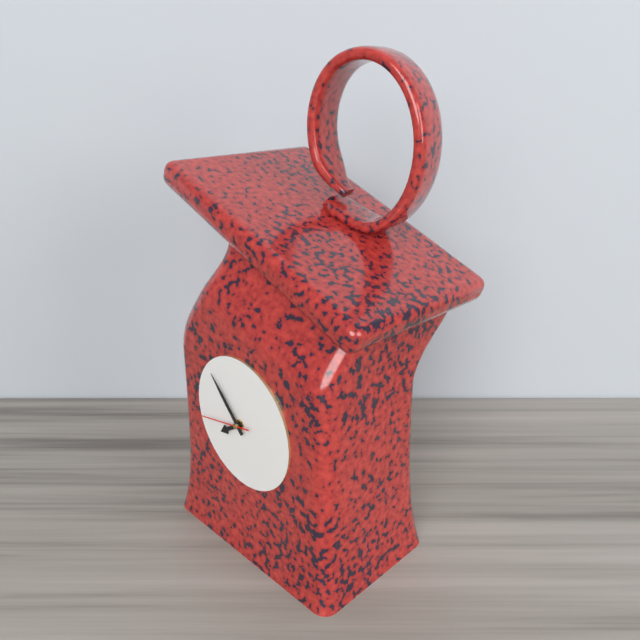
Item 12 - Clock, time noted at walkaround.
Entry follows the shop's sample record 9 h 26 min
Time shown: 7 h 53 min
